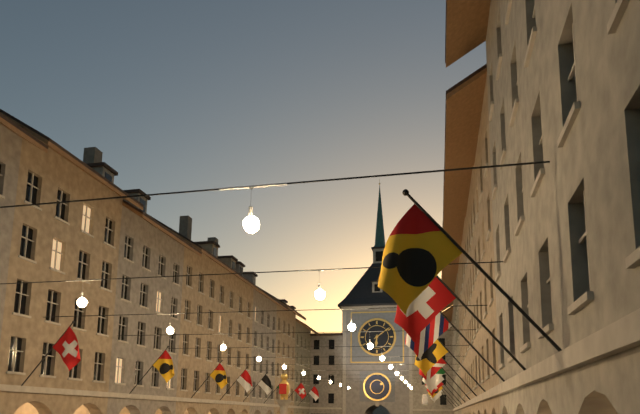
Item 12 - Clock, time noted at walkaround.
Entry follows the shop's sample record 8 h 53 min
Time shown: 6 h 09 min
